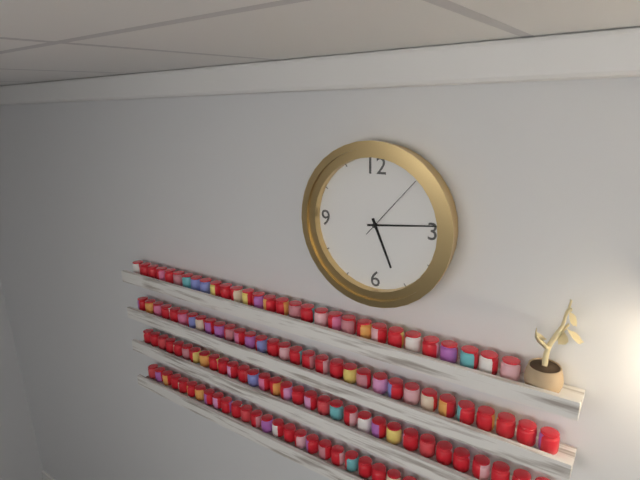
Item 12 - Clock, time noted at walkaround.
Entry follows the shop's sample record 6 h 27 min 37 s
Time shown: 5 h 14 min 07 s
